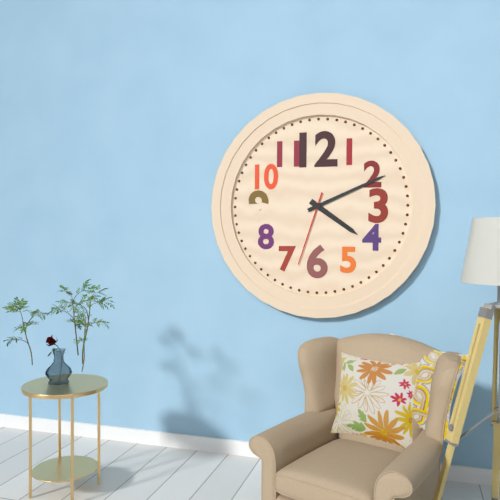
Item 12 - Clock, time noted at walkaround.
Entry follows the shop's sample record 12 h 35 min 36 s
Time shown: 4 h 11 min 33 s
